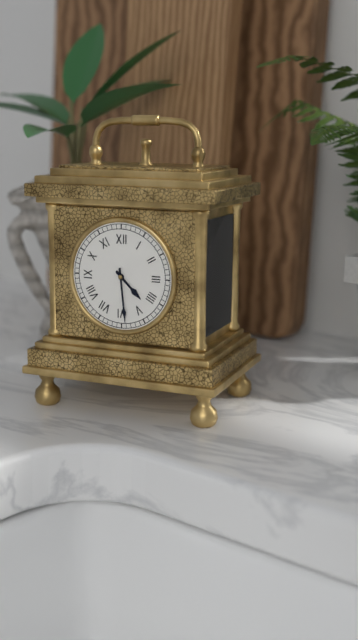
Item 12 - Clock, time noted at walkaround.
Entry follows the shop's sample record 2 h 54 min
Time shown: 4 h 29 min
